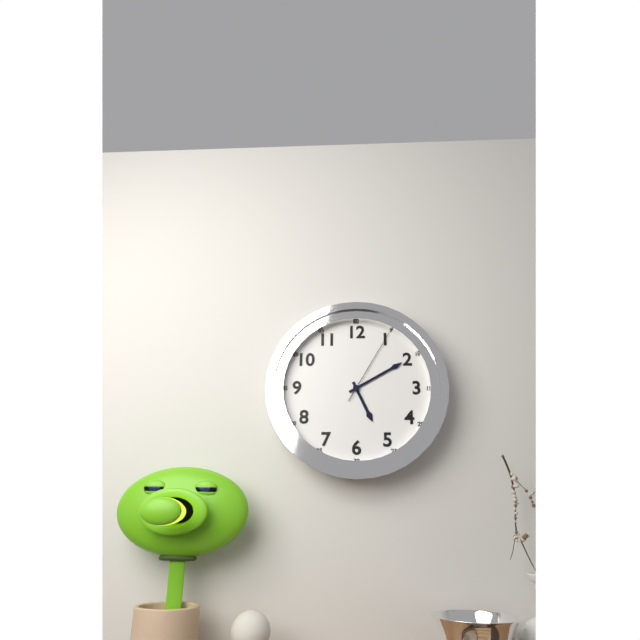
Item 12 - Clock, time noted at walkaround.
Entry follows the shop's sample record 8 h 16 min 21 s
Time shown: 5 h 10 min 05 s
